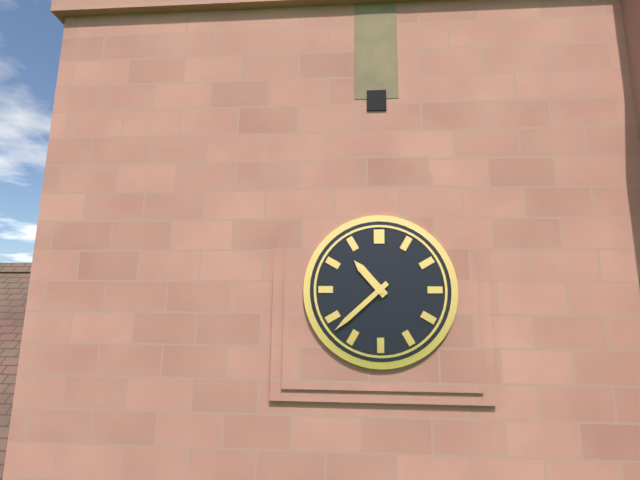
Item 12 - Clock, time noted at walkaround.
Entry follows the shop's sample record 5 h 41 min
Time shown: 10 h 38 min
